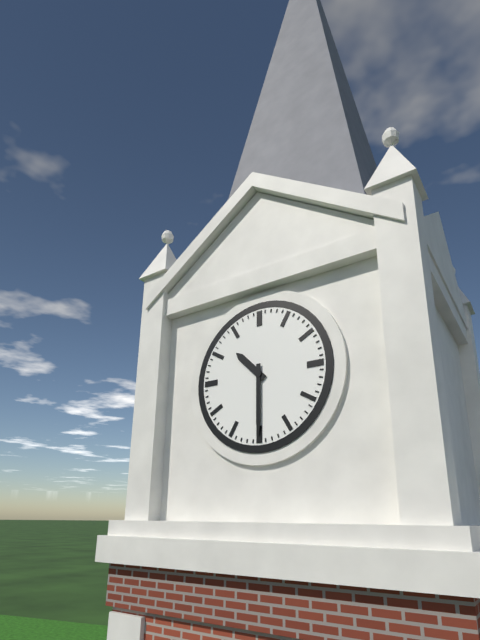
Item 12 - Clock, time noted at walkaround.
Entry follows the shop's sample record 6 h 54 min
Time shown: 10 h 30 min
